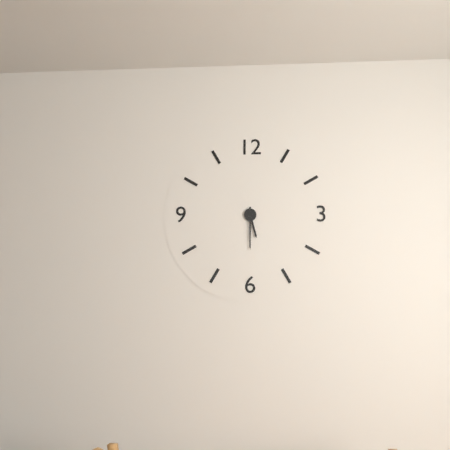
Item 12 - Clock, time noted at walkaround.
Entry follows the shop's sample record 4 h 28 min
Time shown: 5 h 30 min
